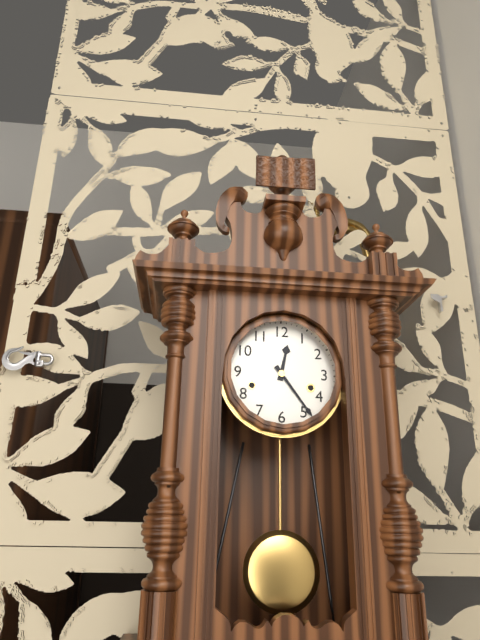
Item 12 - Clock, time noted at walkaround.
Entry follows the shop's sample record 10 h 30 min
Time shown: 12 h 24 min
